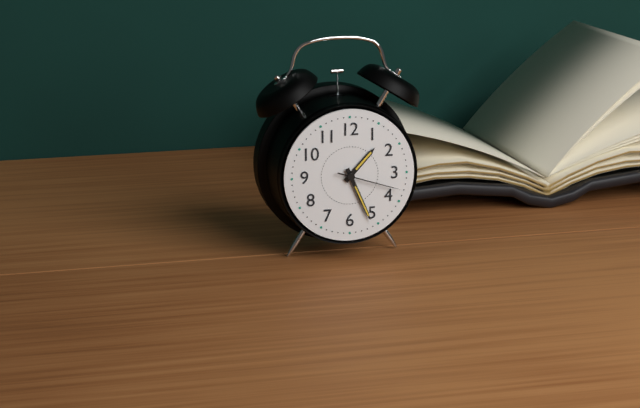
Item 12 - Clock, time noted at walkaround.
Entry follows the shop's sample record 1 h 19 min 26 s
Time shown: 1 h 26 min 18 s
